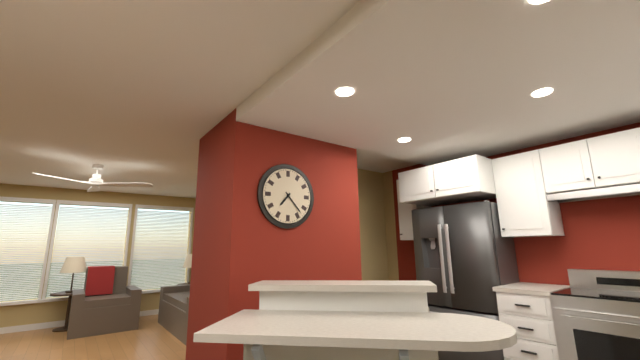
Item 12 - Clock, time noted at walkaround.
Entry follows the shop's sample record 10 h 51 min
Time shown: 7 h 23 min
